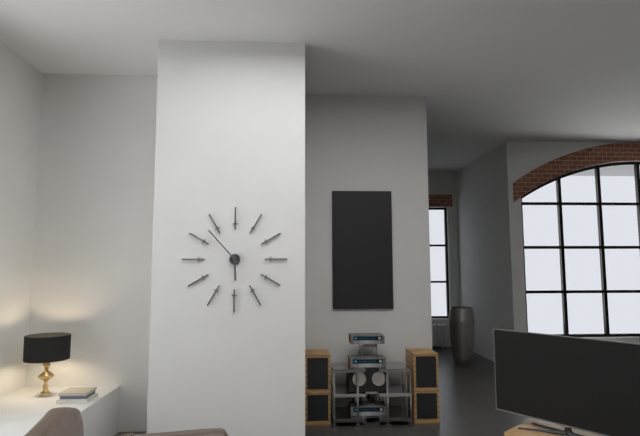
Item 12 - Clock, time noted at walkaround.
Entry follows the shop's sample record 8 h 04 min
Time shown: 5 h 53 min
